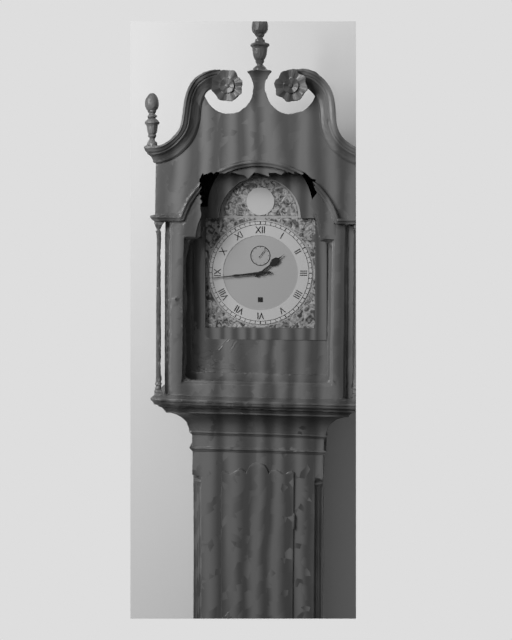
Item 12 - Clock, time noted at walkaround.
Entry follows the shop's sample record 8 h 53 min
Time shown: 1 h 44 min
